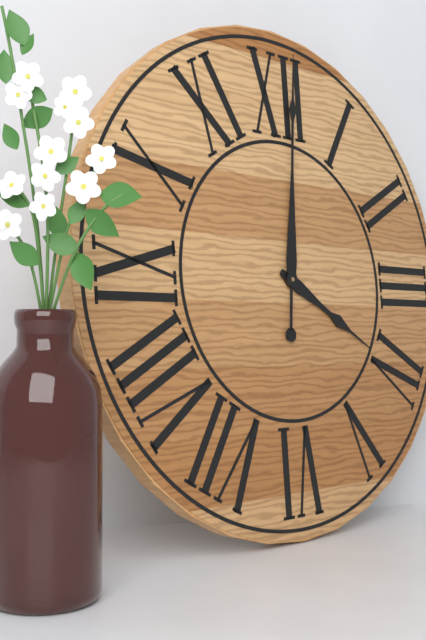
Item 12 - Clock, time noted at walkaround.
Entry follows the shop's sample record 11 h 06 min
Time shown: 4 h 01 min
